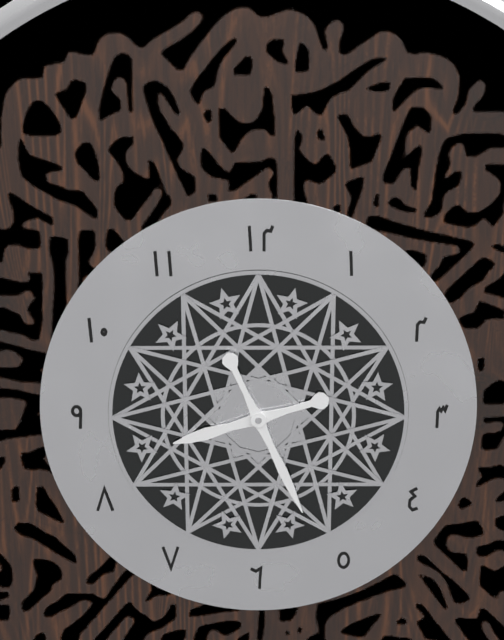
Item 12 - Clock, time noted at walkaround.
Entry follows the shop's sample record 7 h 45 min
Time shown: 8 h 26 min
